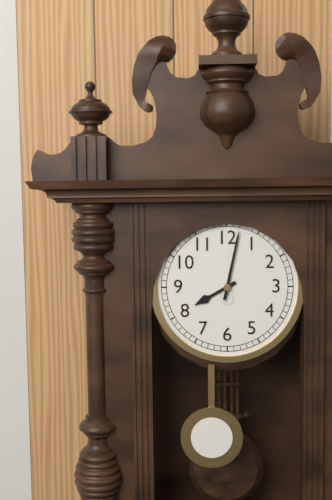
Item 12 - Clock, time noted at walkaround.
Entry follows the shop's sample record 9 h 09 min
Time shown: 8 h 02 min
